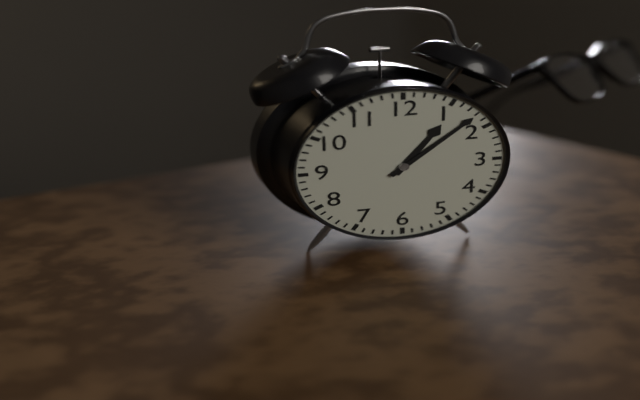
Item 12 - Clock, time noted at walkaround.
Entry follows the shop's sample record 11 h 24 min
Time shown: 1 h 08 min
